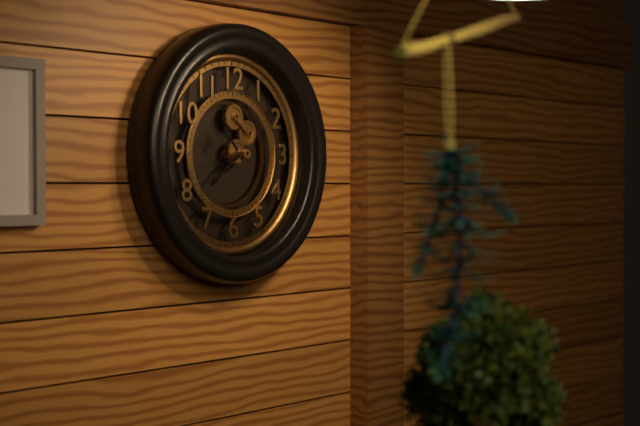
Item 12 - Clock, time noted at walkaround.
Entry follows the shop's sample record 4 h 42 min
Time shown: 10 h 39 min
